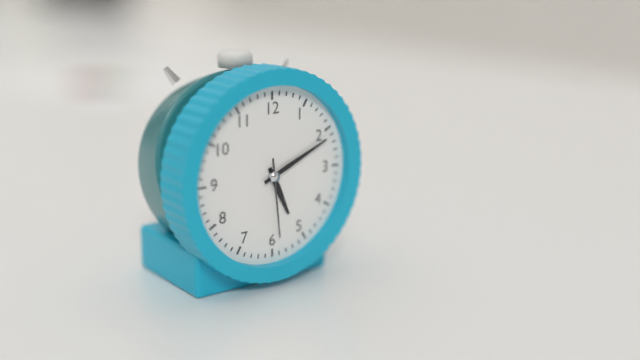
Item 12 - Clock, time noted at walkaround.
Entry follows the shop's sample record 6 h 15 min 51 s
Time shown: 5 h 11 min 29 s
